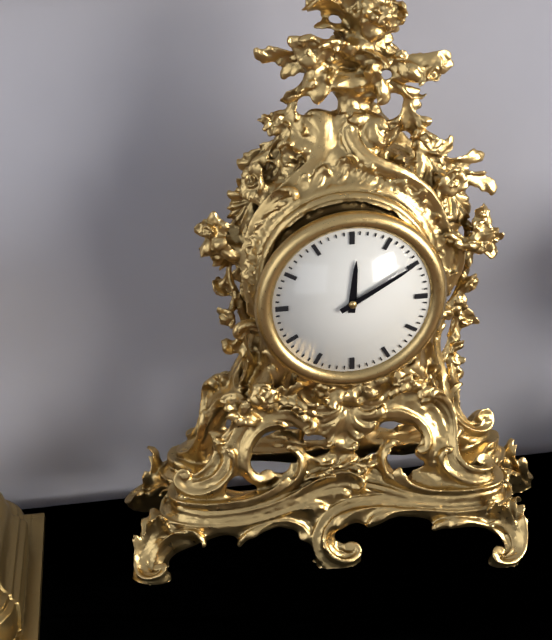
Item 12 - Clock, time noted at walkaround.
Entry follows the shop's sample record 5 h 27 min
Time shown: 12 h 10 min
